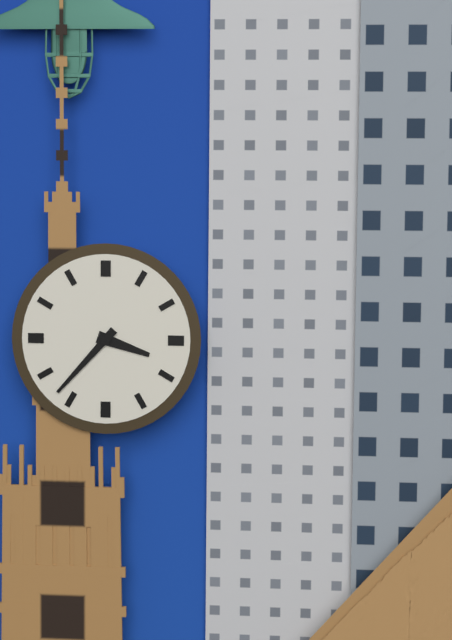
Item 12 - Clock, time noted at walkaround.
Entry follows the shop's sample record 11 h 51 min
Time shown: 3 h 37 min
